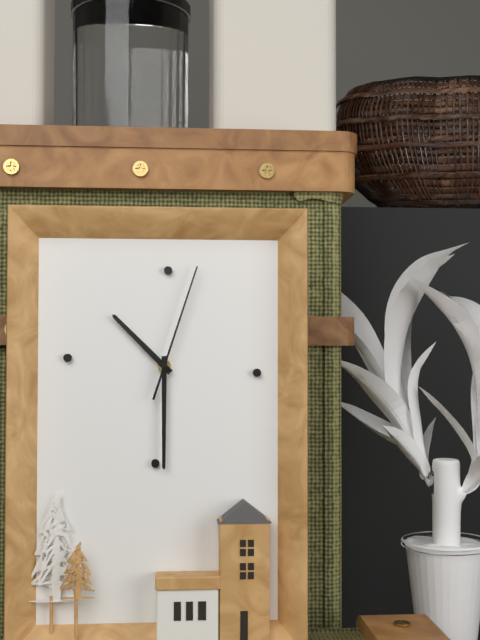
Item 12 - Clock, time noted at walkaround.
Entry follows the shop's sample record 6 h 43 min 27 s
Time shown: 10 h 30 min 03 s
